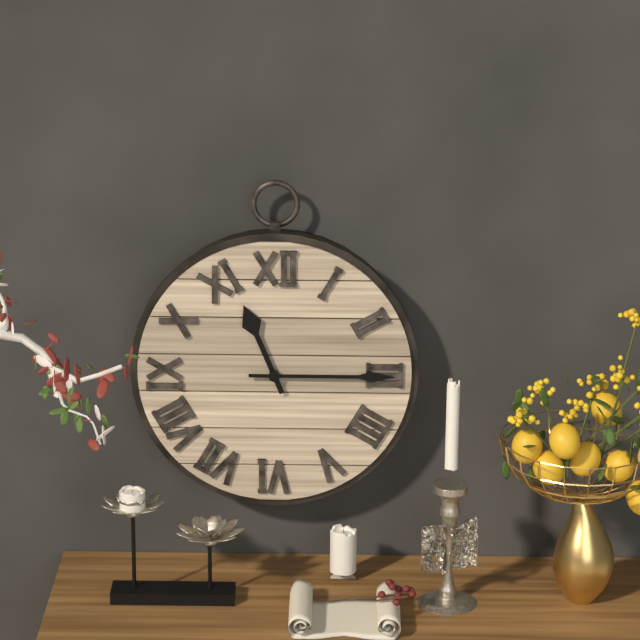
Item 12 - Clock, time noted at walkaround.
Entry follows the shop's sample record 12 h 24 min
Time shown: 11 h 15 min
